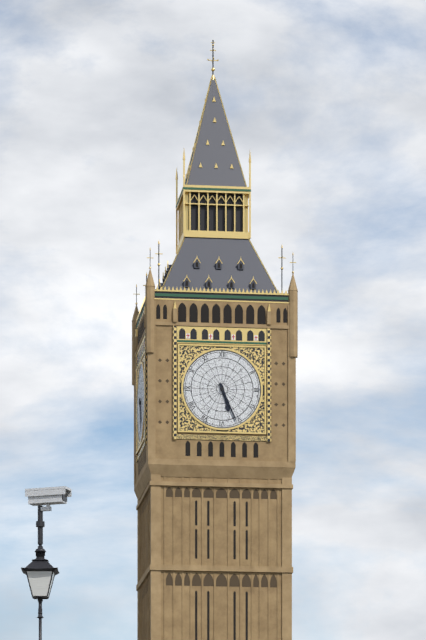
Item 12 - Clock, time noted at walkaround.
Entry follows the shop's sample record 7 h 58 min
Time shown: 5 h 26 min
